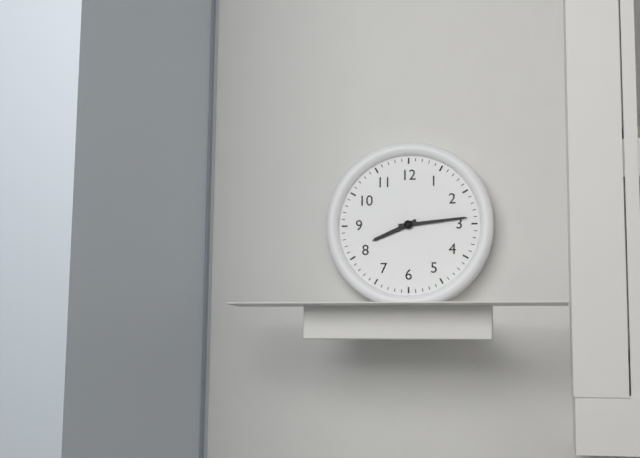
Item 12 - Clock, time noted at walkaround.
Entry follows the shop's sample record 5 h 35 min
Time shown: 8 h 14 min
